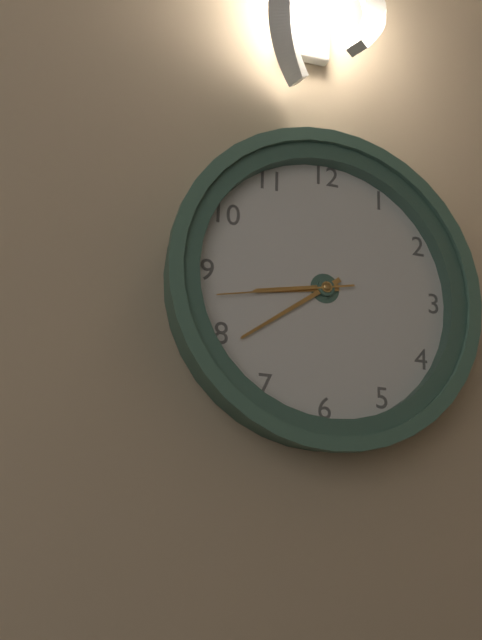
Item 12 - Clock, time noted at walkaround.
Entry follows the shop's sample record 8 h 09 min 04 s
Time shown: 8 h 39 min 43 s
